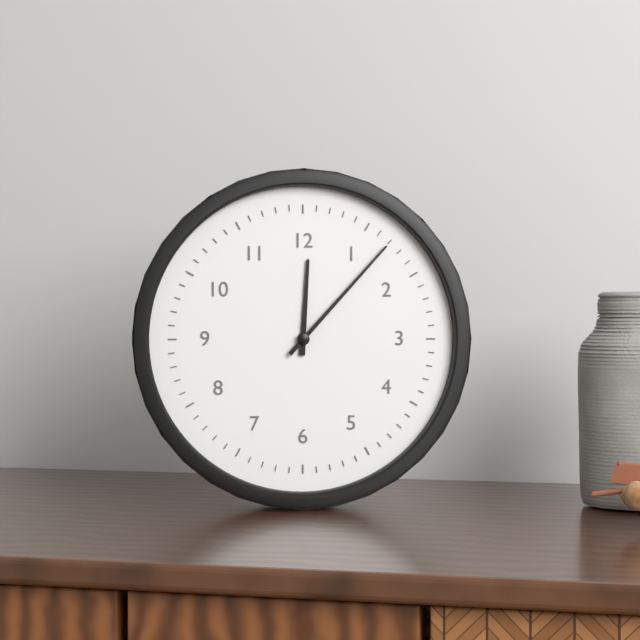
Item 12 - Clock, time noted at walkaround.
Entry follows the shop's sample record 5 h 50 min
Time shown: 12 h 07 min
